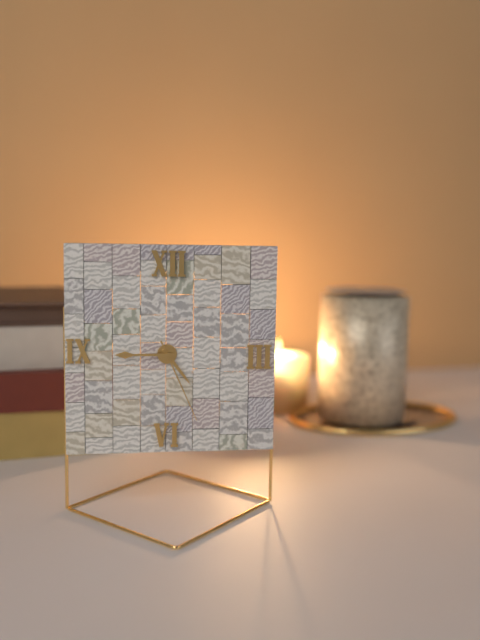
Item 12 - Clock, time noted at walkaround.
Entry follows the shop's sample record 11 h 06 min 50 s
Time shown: 4 h 45 min 26 s
